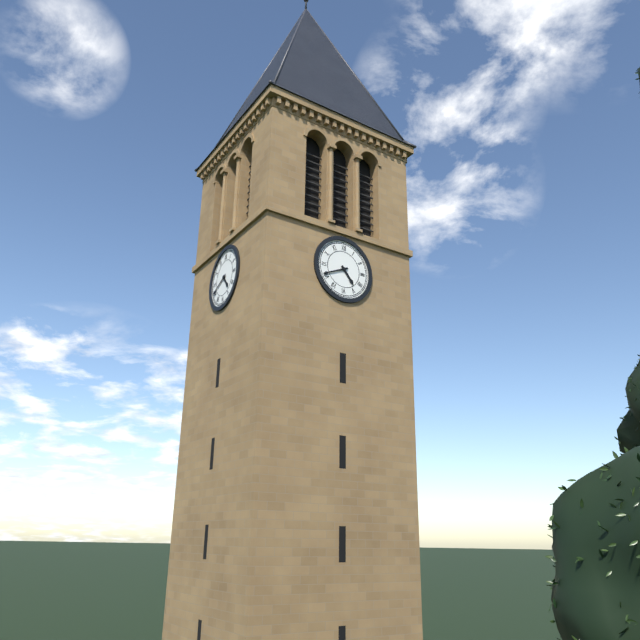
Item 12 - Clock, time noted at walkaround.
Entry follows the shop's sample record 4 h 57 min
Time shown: 4 h 41 min
